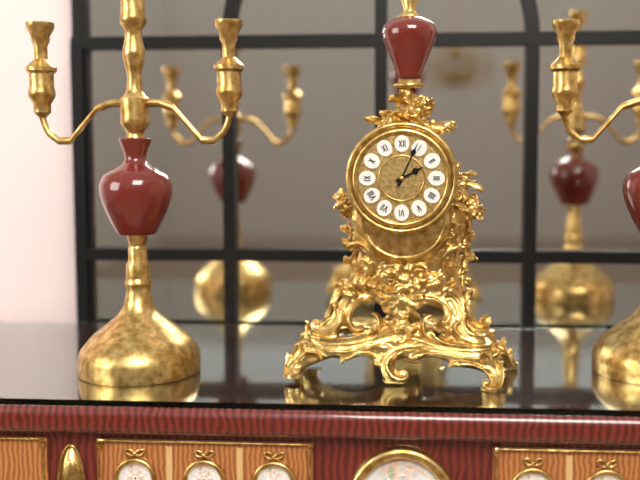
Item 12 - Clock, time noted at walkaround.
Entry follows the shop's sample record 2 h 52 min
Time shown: 2 h 04 min
